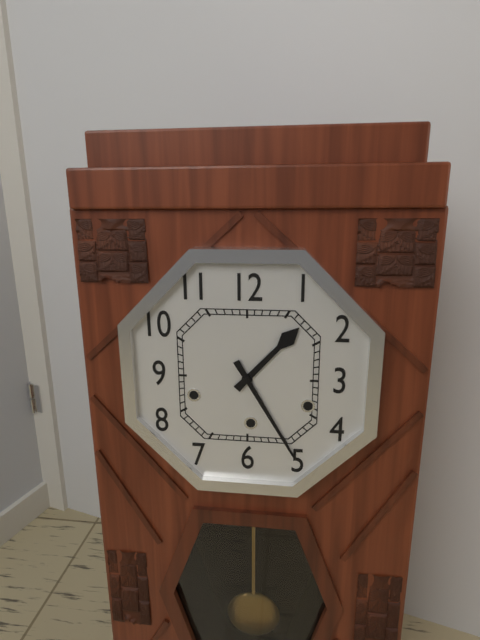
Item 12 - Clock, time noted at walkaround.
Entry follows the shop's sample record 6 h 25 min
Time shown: 1 h 25 min
